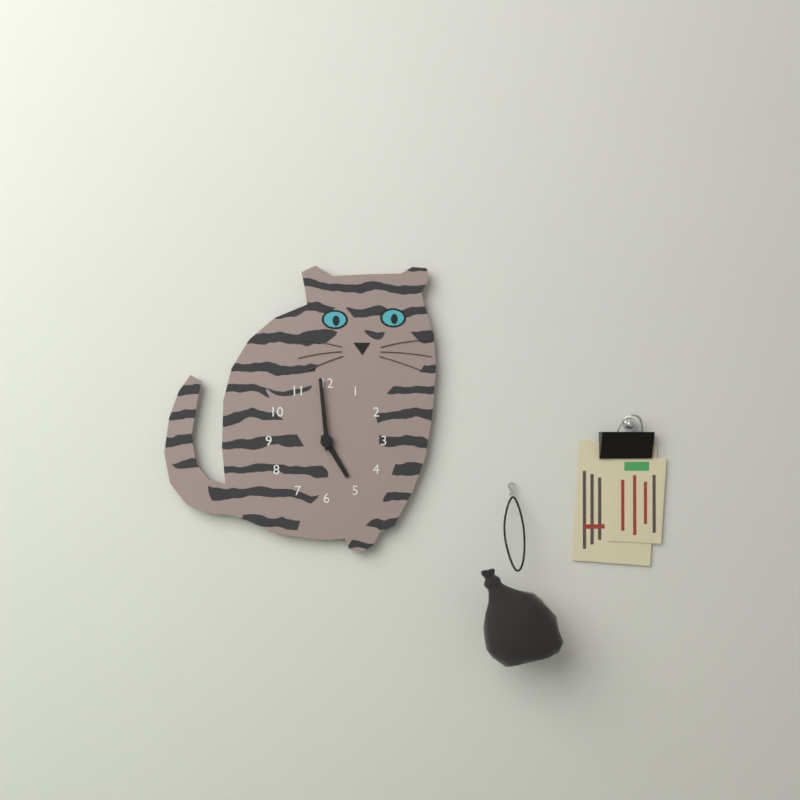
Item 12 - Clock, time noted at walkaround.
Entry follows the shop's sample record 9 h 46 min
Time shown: 4 h 59 min
